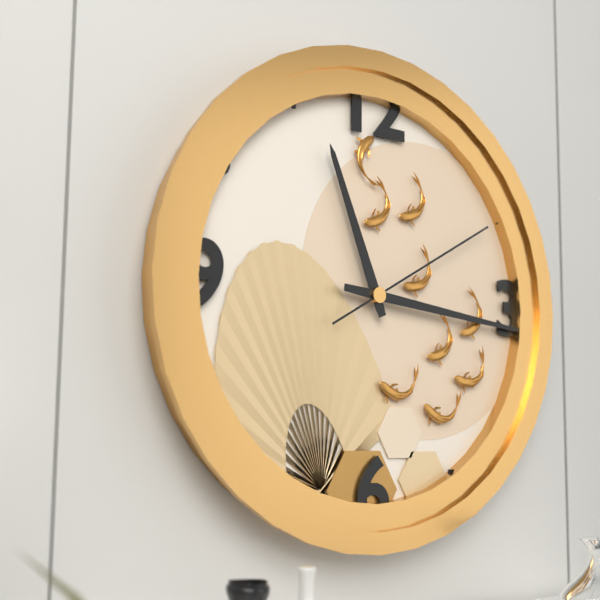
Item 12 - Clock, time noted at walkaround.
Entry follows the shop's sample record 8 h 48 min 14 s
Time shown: 11 h 16 min 10 s
